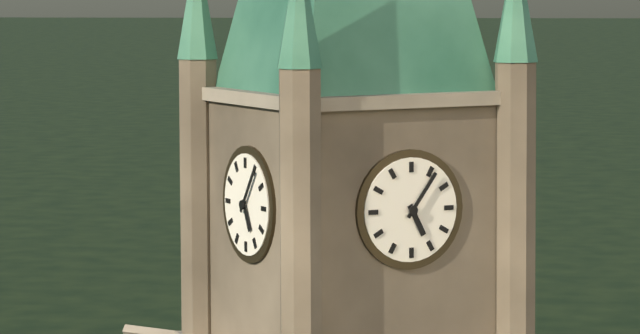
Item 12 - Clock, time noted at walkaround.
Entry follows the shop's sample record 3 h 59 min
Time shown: 5 h 06 min
